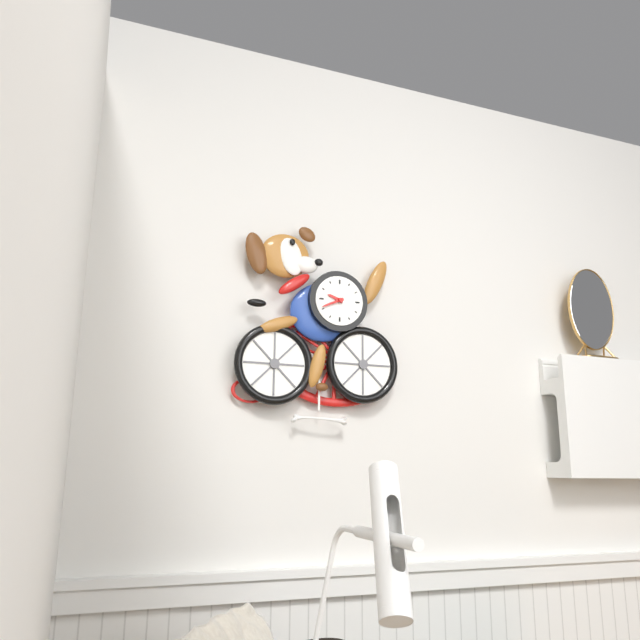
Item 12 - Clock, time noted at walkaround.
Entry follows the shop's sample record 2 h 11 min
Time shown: 9 h 41 min
